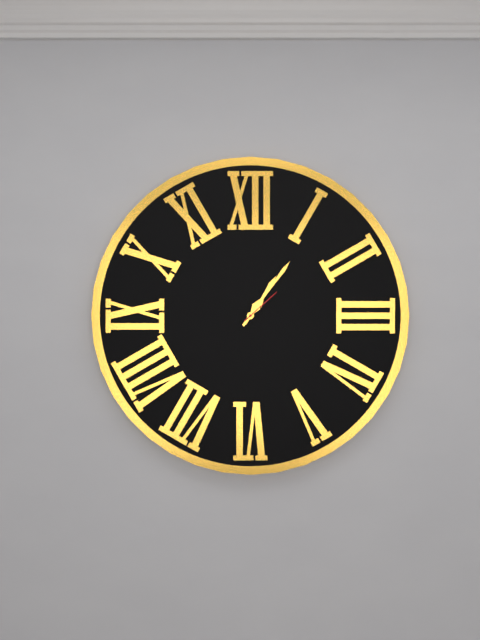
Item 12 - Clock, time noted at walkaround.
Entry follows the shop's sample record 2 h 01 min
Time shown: 1 h 06 min
